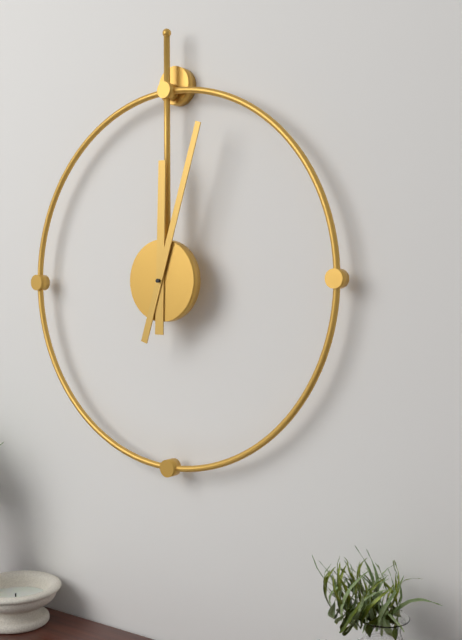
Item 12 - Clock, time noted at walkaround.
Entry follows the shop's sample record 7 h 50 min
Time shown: 12 h 03 min
